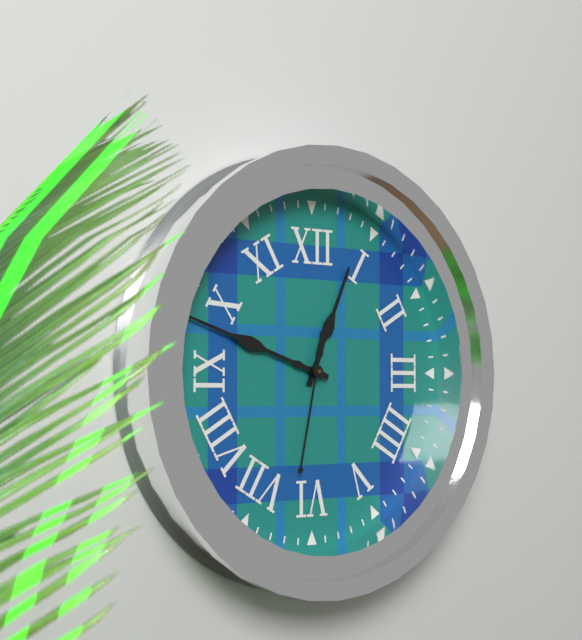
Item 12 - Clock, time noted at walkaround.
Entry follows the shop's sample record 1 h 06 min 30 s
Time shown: 12 h 48 min 32 s
